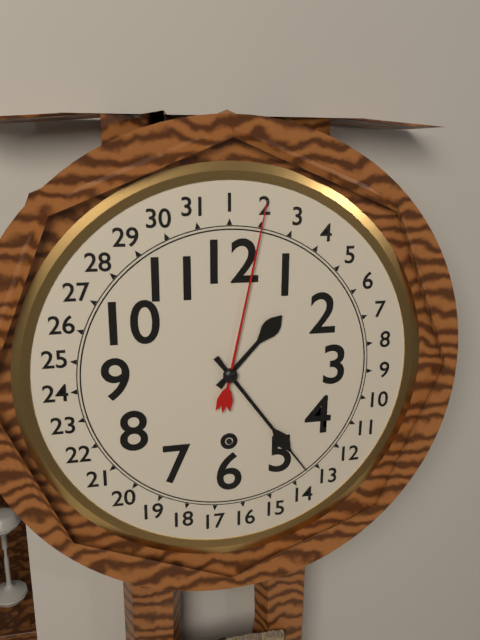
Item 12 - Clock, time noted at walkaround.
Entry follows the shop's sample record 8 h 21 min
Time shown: 1 h 24 min
